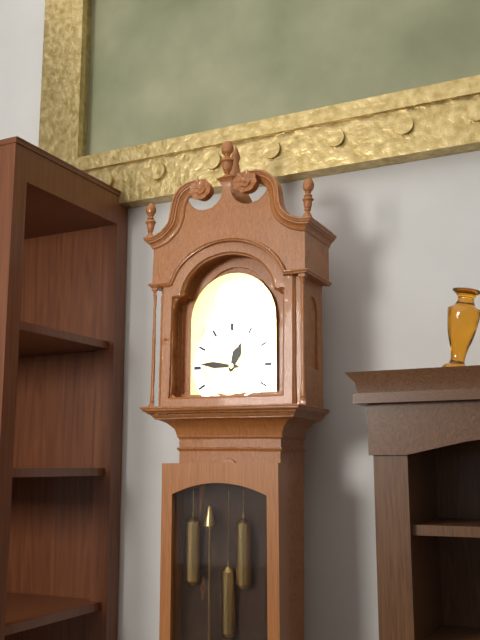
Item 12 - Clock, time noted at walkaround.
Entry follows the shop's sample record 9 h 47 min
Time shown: 12 h 46 min
